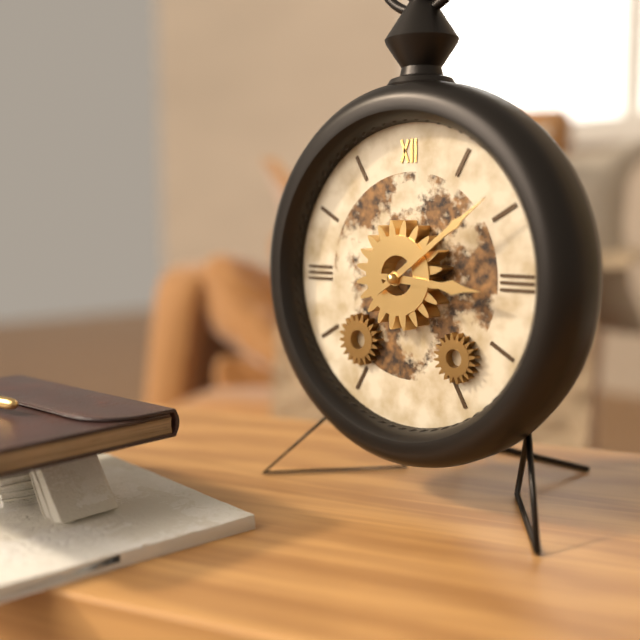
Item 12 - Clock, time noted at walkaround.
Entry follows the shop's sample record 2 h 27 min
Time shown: 3 h 09 min
